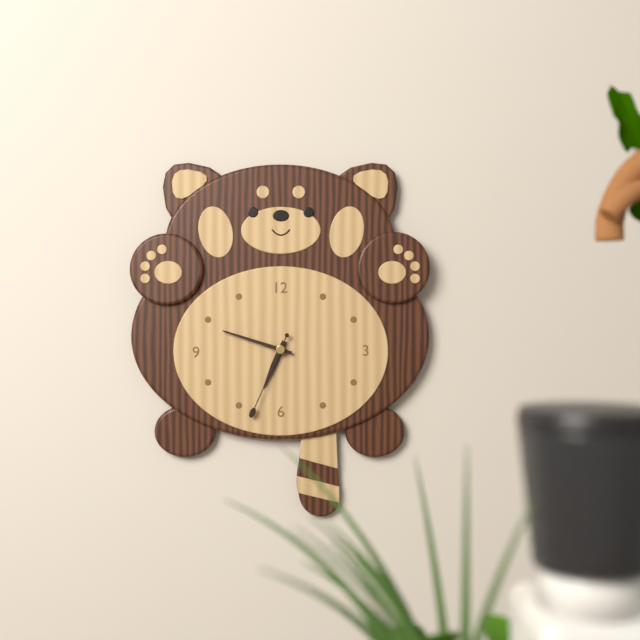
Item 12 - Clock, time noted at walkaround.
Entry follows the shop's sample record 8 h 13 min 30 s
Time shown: 6 h 48 min 34 s
